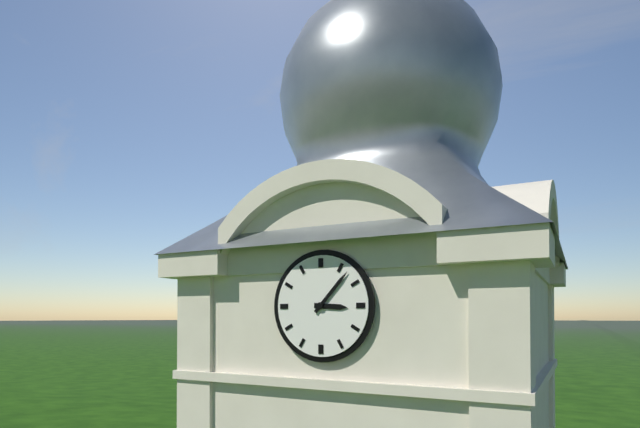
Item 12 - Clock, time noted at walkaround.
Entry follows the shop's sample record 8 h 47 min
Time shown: 3 h 07 min
